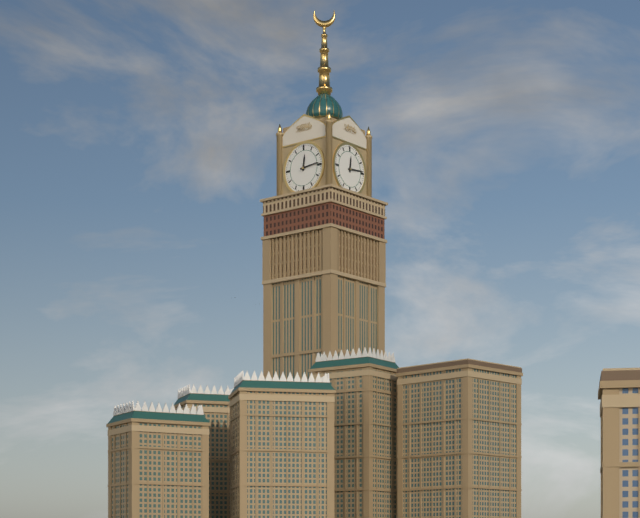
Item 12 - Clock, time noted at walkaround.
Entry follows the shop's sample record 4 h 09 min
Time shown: 12 h 14 min
